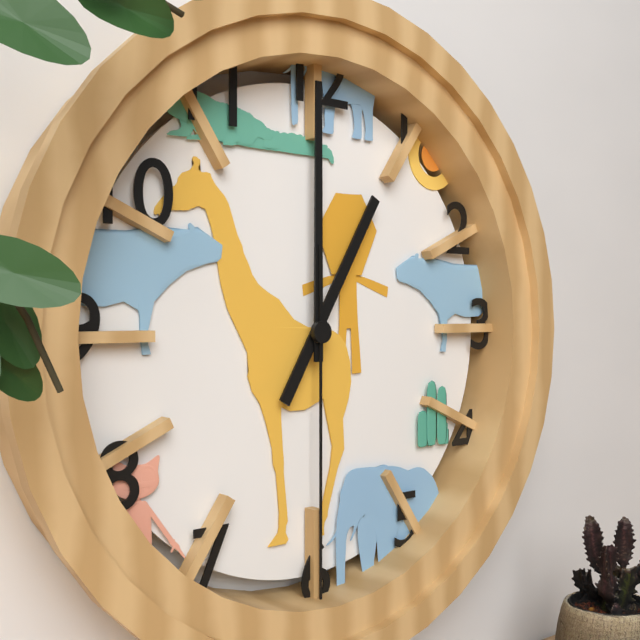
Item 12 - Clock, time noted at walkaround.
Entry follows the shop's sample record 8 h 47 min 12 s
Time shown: 1 h 00 min 30 s
